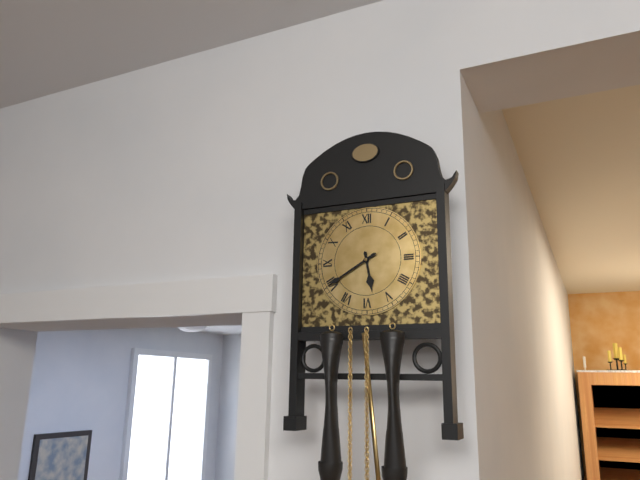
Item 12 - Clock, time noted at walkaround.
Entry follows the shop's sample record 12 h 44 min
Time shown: 5 h 40 min
